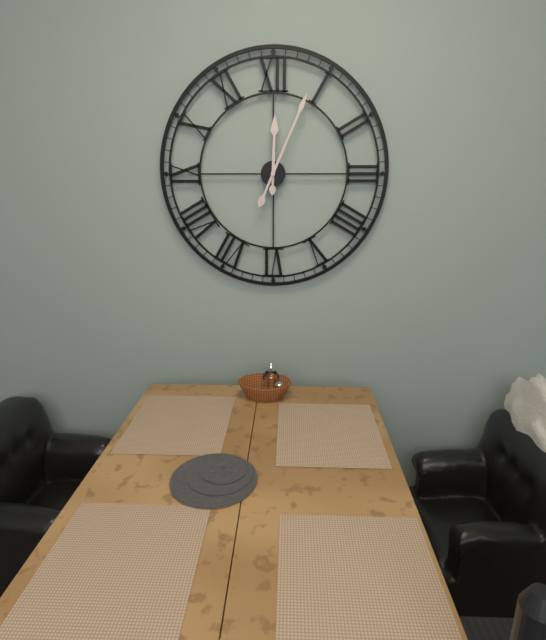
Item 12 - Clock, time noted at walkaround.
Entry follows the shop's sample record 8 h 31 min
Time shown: 12 h 04 min
